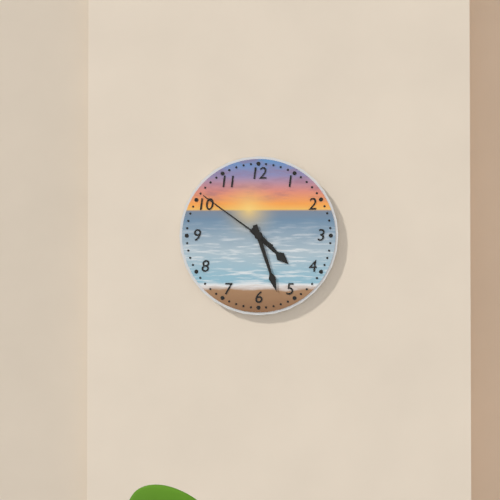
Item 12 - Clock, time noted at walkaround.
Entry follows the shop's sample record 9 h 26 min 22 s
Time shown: 4 h 27 min 51 s
